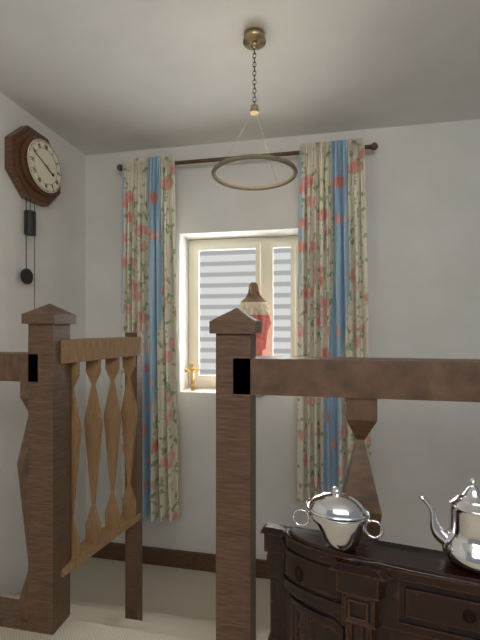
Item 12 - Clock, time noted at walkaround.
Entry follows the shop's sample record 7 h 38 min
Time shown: 3 h 49 min
